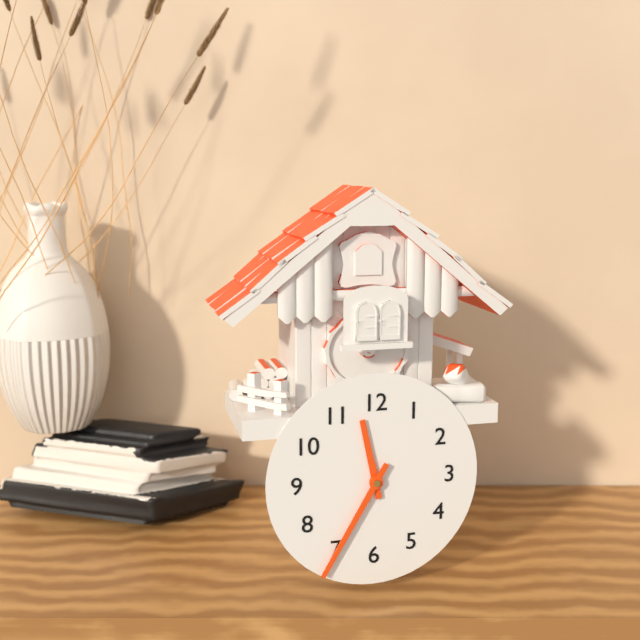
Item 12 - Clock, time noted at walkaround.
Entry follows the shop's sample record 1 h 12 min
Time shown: 11 h 35 min
